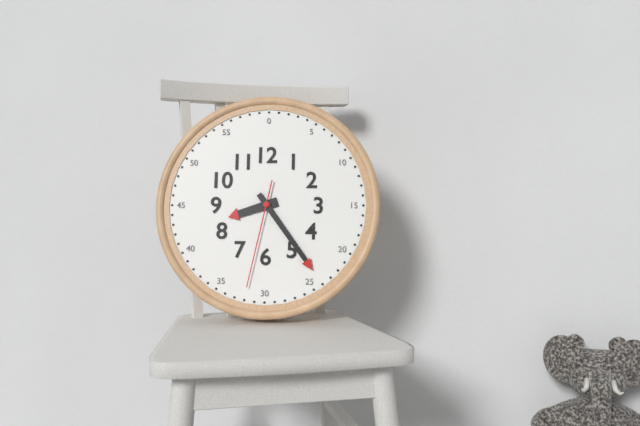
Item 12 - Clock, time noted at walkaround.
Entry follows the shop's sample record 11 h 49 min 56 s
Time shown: 8 h 24 min 32 s
